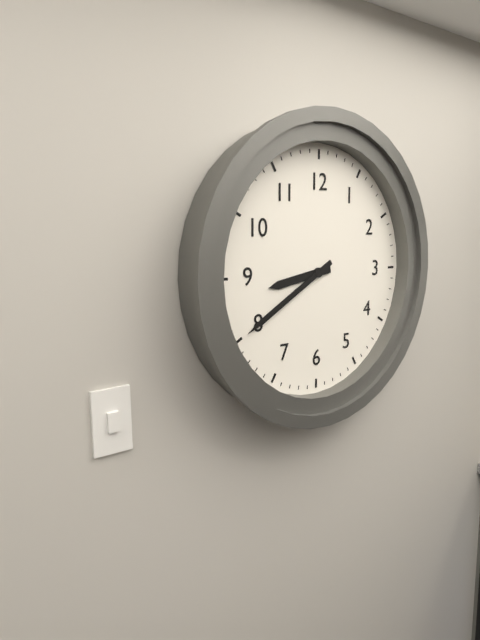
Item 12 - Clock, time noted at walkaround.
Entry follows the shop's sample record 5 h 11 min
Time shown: 8 h 40 min
